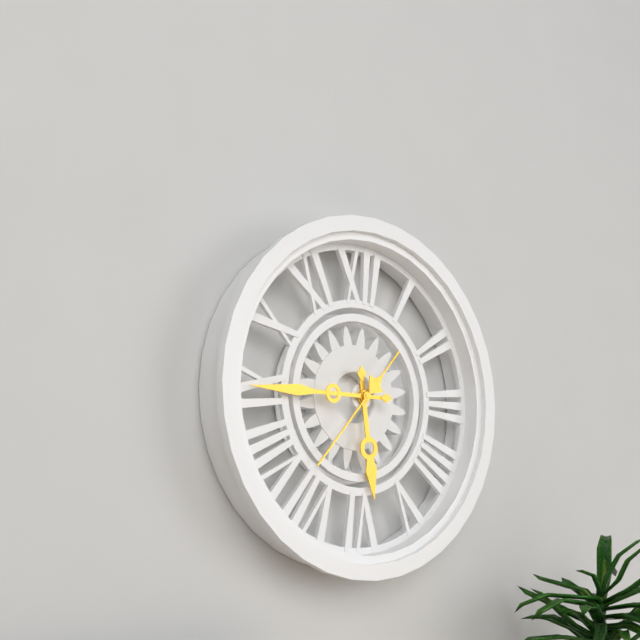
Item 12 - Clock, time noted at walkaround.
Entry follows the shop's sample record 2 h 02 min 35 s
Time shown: 5 h 45 min 37 s
